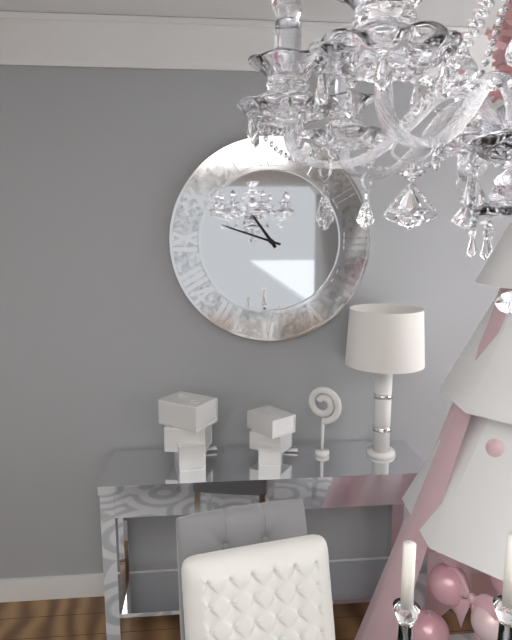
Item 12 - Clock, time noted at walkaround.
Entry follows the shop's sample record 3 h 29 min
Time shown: 10 h 48 min
